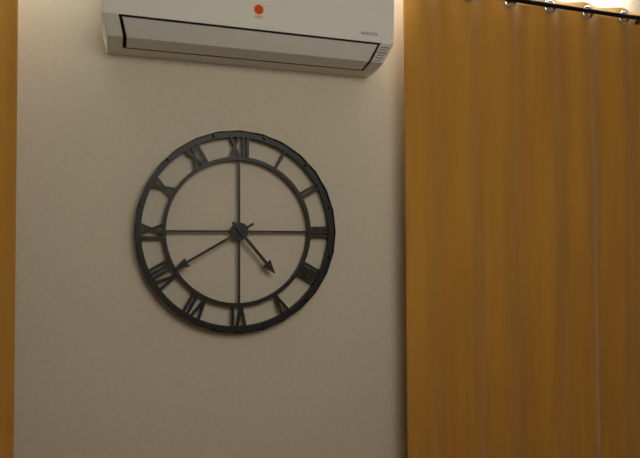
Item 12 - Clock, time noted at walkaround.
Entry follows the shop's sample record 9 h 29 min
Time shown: 4 h 40 min
